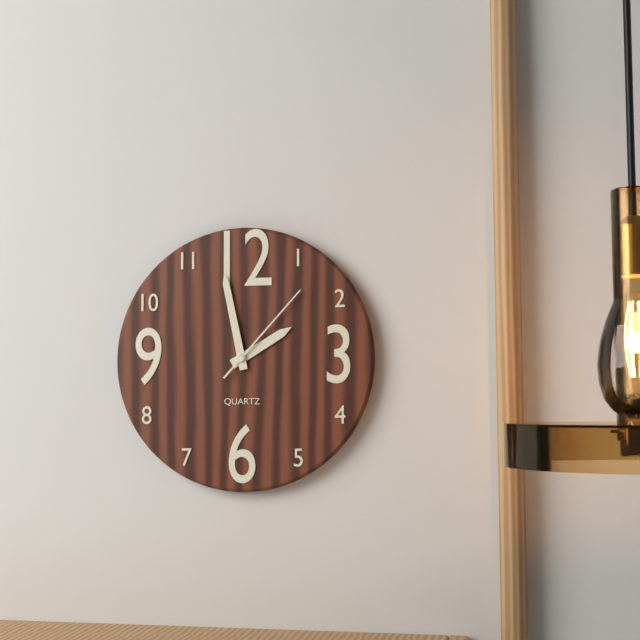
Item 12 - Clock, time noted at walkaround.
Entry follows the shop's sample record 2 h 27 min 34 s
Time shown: 1 h 58 min 07 s
